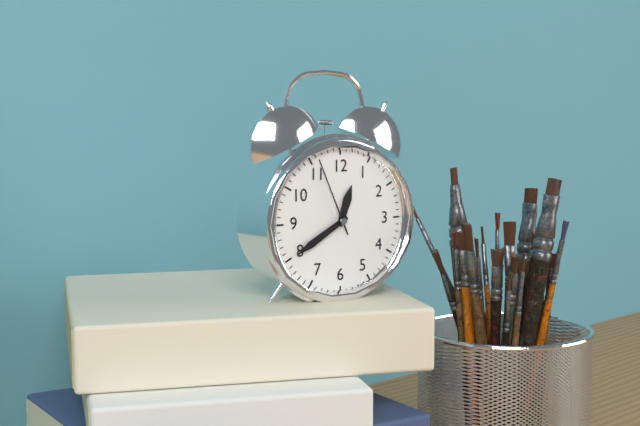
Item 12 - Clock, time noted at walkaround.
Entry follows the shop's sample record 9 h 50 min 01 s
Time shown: 12 h 40 min 56 s
